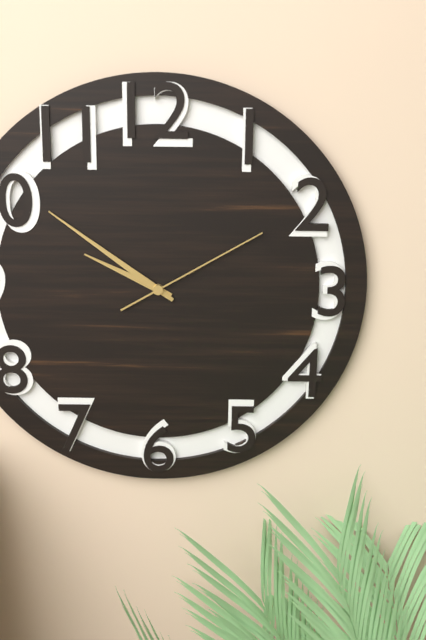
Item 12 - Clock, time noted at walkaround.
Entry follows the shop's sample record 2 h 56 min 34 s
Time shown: 9 h 51 min 10 s
